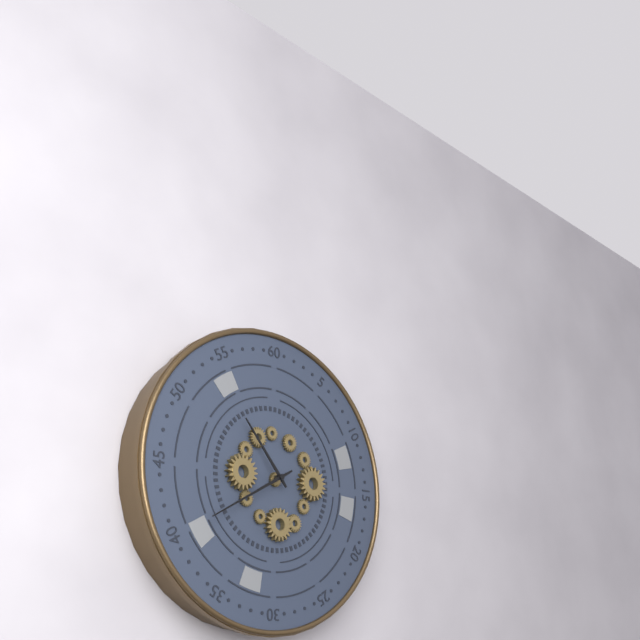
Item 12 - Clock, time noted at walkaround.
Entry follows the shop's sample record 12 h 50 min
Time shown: 10 h 40 min
